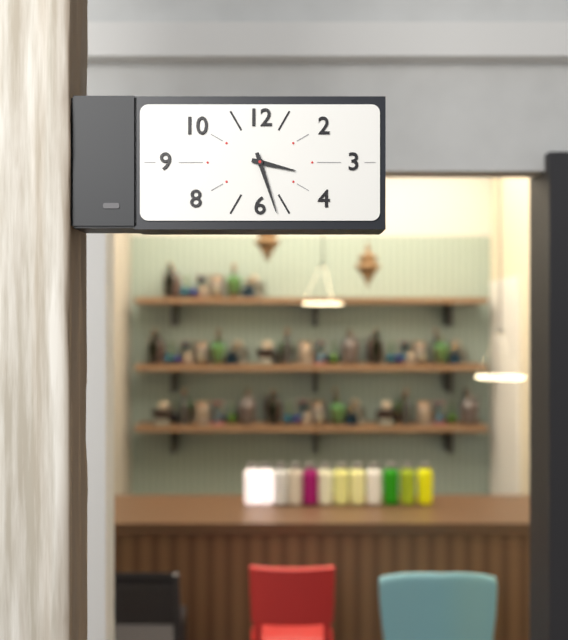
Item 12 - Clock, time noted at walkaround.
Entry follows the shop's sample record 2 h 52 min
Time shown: 3 h 27 min
